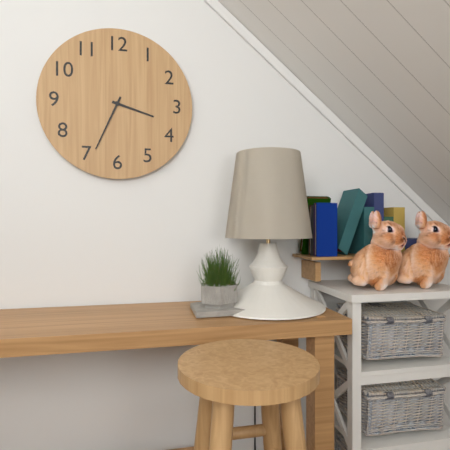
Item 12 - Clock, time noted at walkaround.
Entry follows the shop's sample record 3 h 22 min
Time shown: 3 h 34 min
